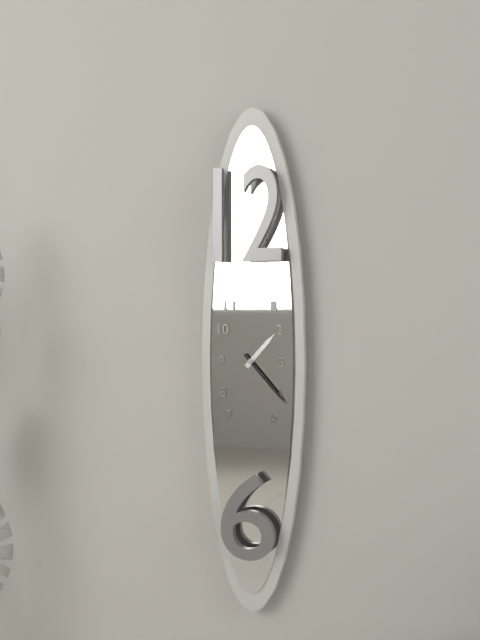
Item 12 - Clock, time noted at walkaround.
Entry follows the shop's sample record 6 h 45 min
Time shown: 1 h 23 min
